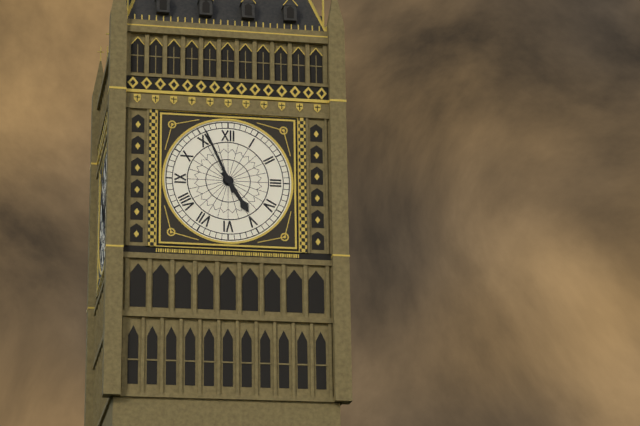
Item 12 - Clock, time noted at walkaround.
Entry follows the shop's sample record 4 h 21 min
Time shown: 4 h 56 min
